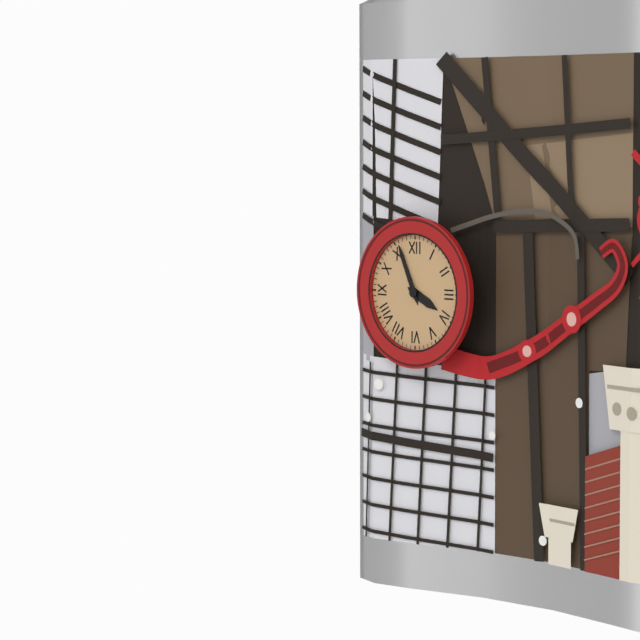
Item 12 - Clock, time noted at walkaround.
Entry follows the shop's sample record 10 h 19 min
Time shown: 3 h 56 min
